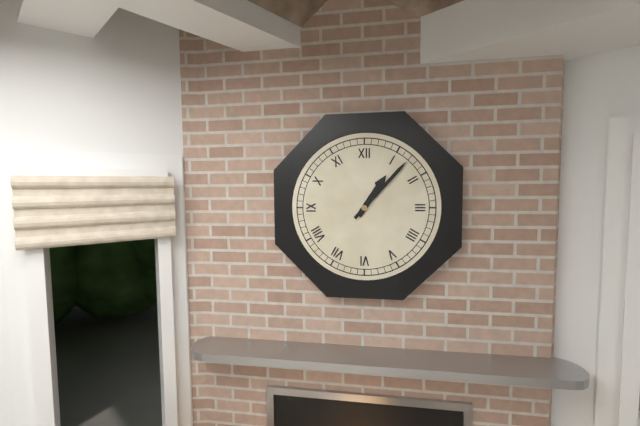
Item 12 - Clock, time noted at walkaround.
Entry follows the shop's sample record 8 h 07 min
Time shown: 1 h 07 min
